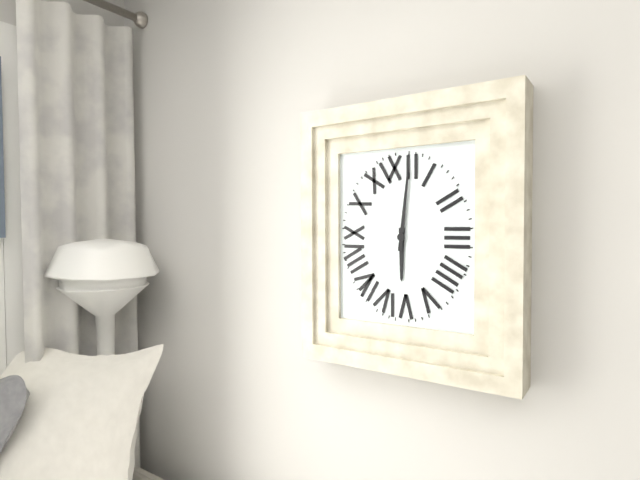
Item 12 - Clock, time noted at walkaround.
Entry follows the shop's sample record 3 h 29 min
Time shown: 6 h 01 min
